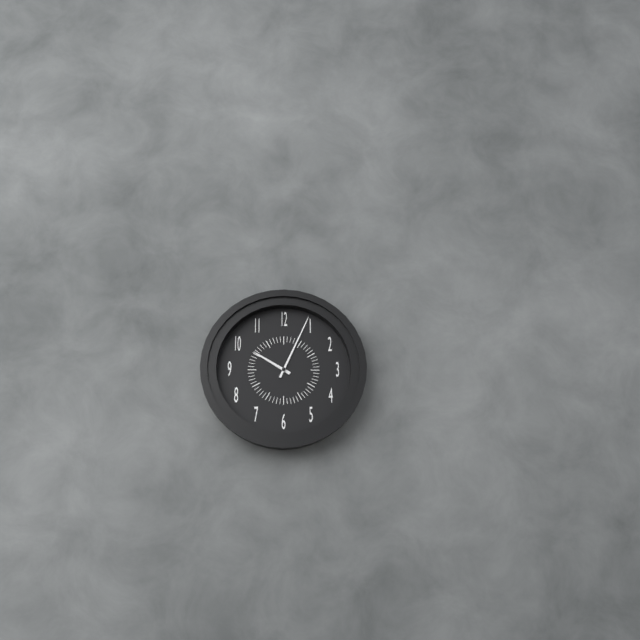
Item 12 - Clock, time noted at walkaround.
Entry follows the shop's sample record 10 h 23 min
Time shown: 10 h 04 min
